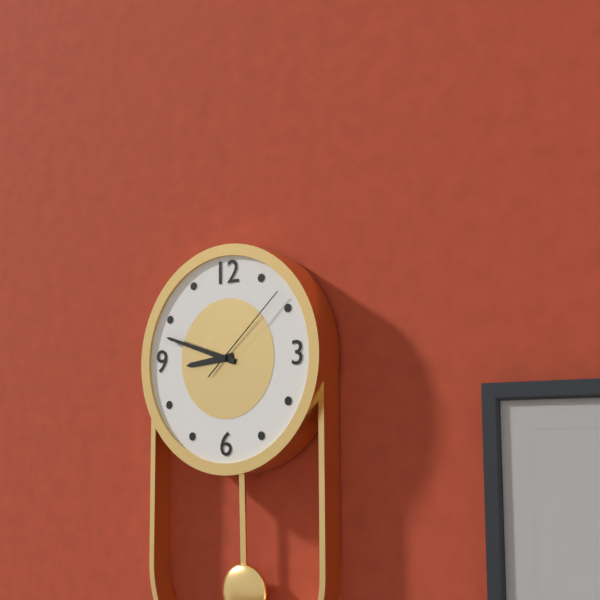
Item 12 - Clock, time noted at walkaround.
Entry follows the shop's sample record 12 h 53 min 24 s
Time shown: 8 h 48 min 08 s
